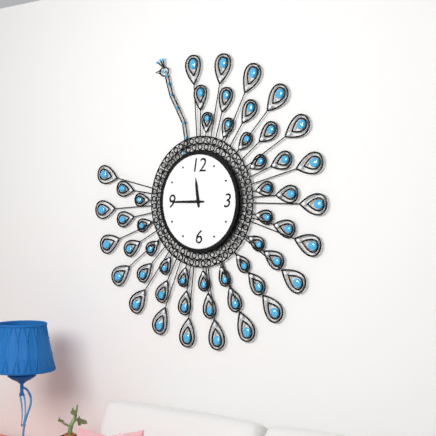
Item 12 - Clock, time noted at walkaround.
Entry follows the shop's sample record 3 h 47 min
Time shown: 11 h 45 min
